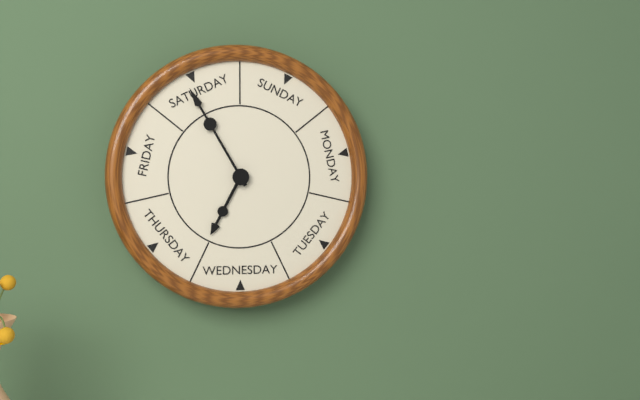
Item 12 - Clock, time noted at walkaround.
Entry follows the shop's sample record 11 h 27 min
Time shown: 6 h 55 min
